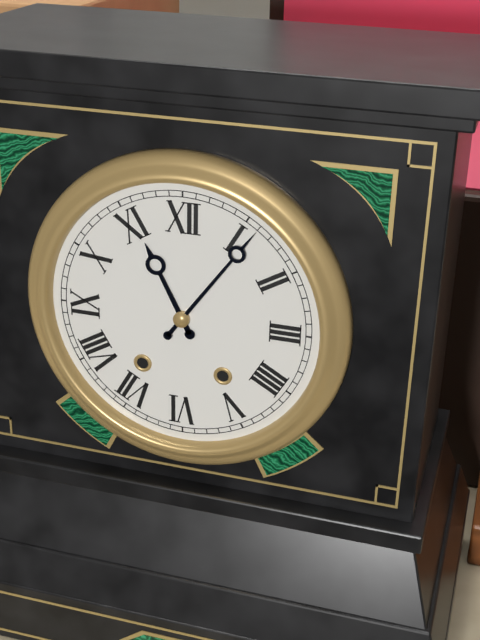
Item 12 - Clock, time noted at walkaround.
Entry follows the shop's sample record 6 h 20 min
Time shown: 11 h 06 min
